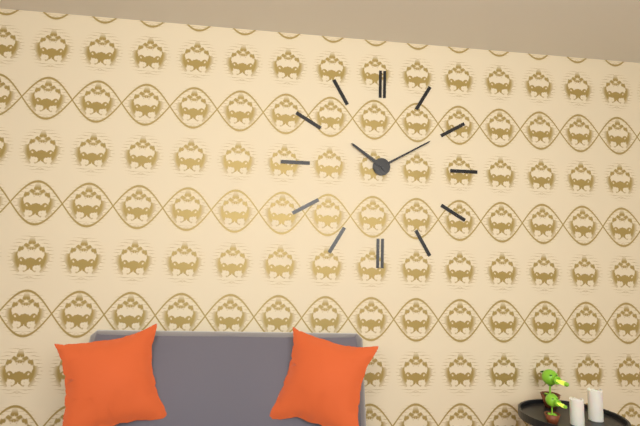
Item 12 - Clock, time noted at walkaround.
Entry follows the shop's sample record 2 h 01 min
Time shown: 10 h 10 min
